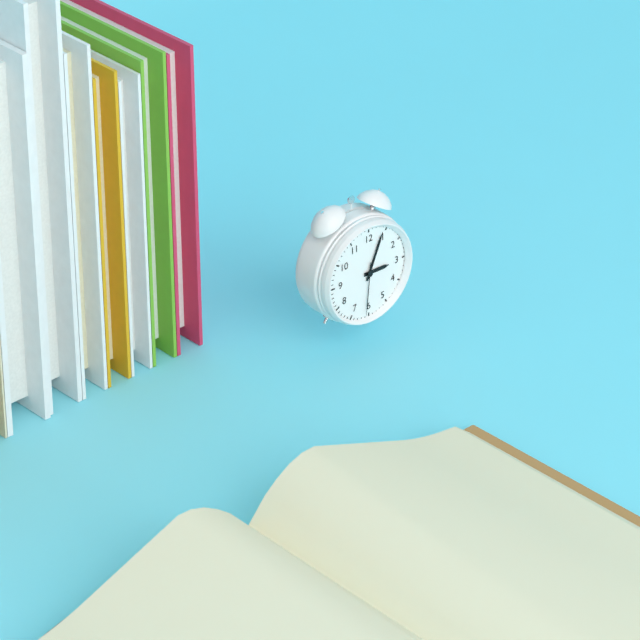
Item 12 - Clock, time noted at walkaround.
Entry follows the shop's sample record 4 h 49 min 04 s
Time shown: 3 h 04 min 31 s
